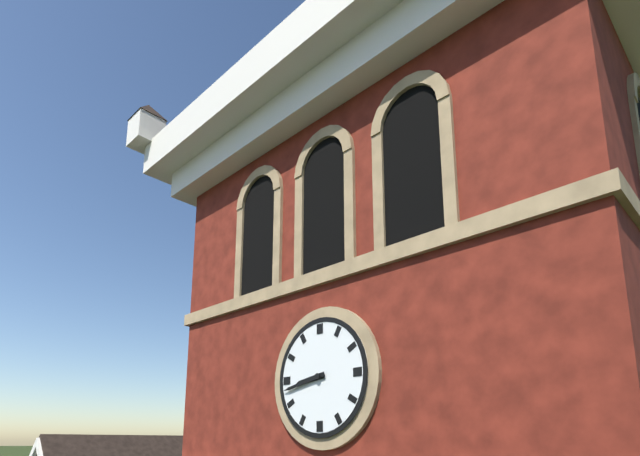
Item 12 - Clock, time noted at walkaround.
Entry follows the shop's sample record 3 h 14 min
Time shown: 8 h 43 min
